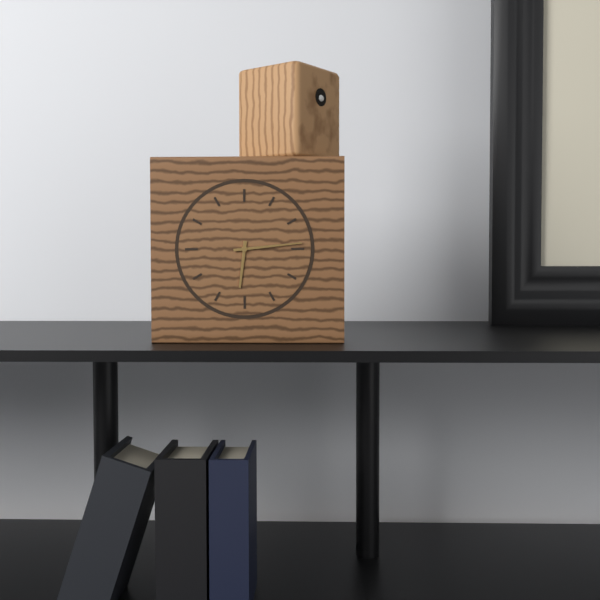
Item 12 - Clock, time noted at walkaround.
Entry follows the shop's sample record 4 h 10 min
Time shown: 6 h 14 min
